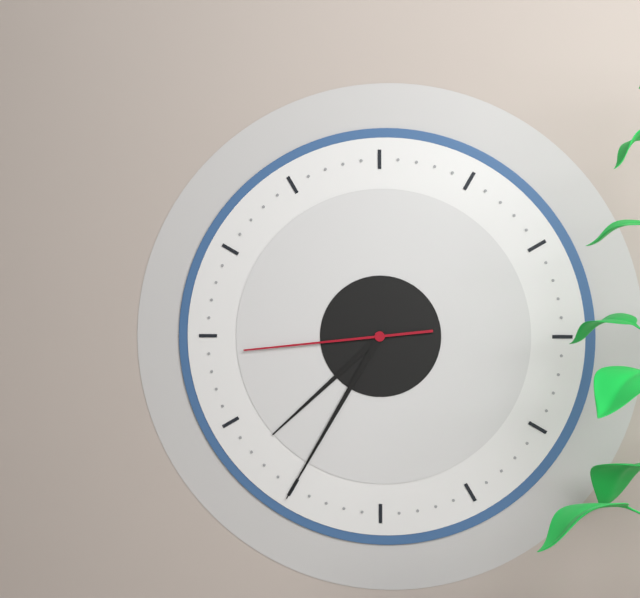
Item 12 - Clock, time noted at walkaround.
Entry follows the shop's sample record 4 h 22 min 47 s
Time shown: 7 h 35 min 44 s
